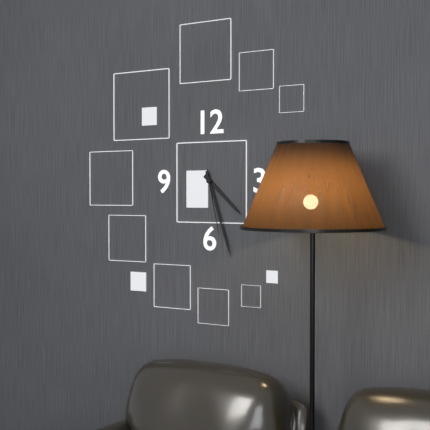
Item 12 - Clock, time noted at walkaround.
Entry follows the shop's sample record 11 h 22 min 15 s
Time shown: 4 h 27 min 28 s
